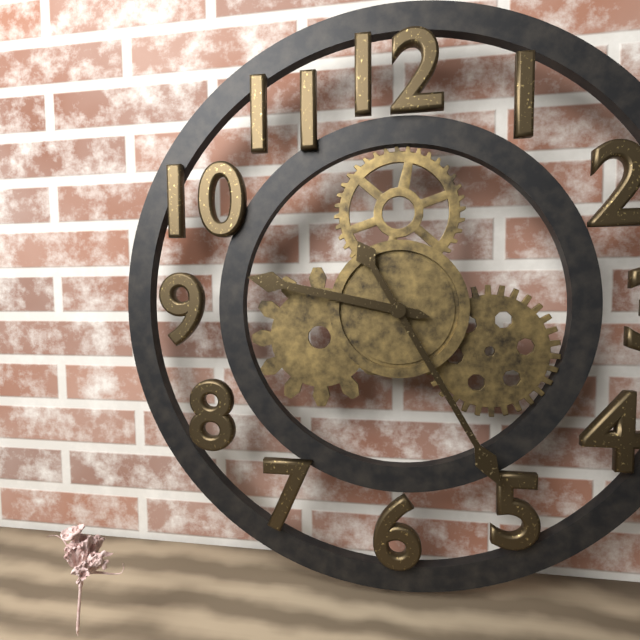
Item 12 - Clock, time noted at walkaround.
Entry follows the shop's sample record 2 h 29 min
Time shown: 9 h 25 min
